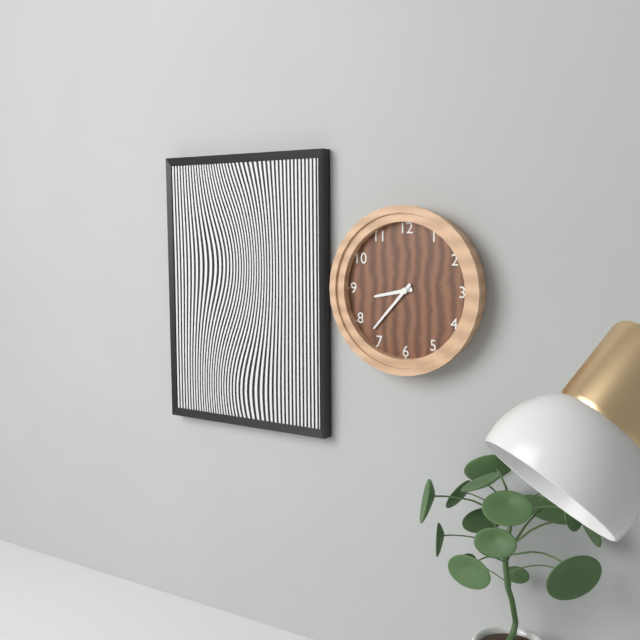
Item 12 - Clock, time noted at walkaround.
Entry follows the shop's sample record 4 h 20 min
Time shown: 8 h 37 min
